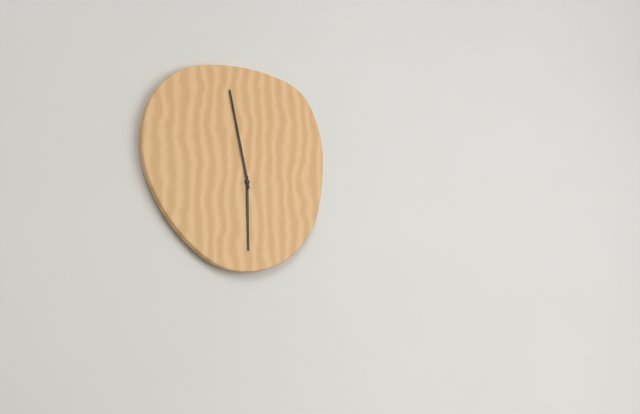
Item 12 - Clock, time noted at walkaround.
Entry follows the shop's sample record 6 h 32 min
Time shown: 5 h 58 min
